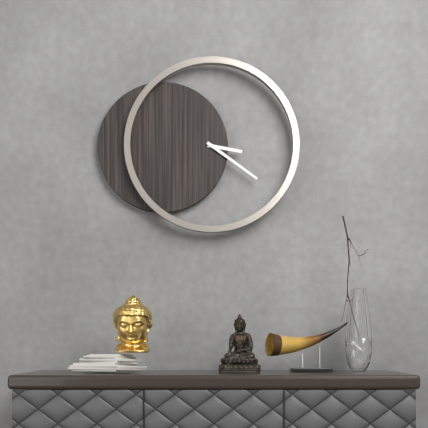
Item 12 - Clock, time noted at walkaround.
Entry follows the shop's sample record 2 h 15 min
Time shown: 3 h 21 min
